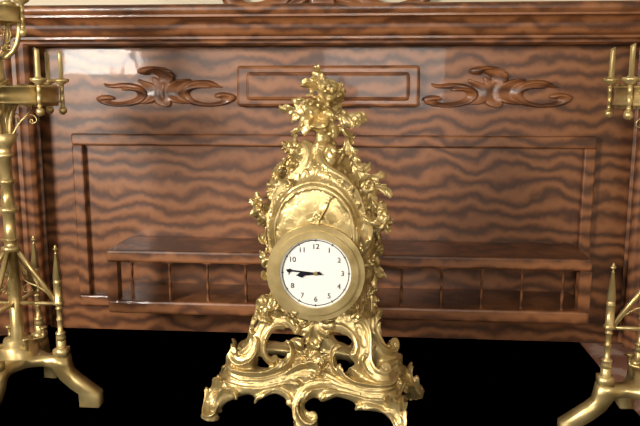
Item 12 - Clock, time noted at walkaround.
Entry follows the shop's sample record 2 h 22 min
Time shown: 8 h 46 min
